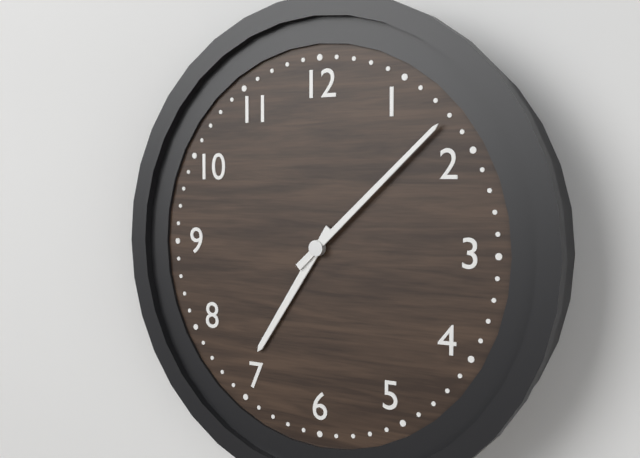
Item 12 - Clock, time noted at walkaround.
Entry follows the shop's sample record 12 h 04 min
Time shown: 7 h 08 min
